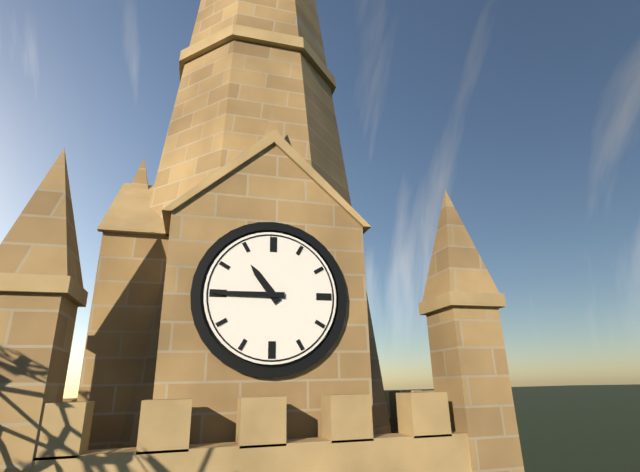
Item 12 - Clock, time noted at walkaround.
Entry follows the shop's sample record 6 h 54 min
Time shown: 10 h 45 min
